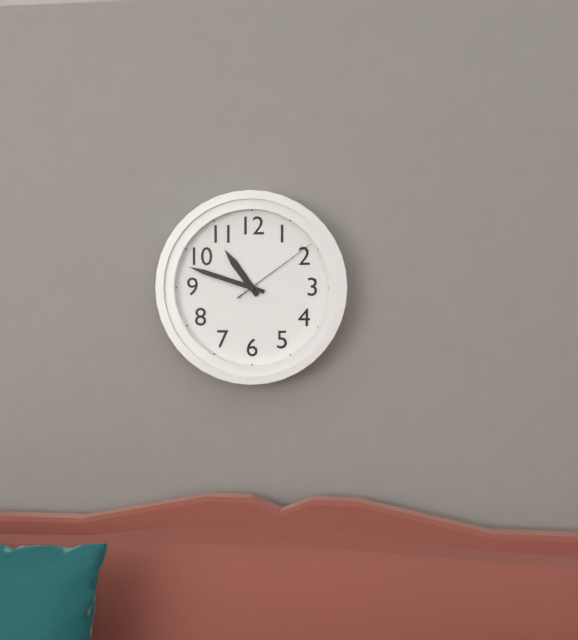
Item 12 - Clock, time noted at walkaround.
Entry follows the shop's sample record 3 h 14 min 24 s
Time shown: 10 h 48 min 09 s
